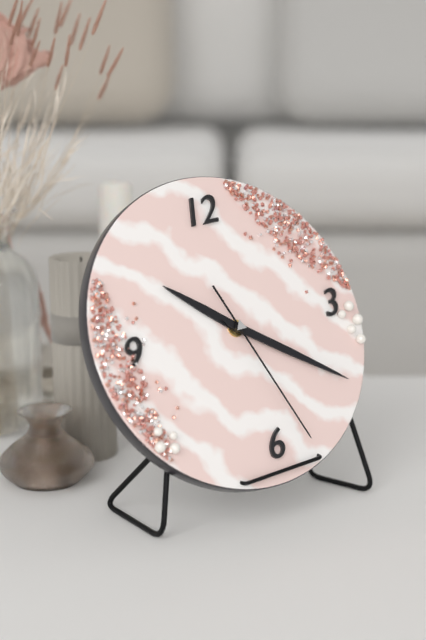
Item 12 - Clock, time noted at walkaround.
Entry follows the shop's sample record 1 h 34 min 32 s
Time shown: 10 h 21 min 27 s
